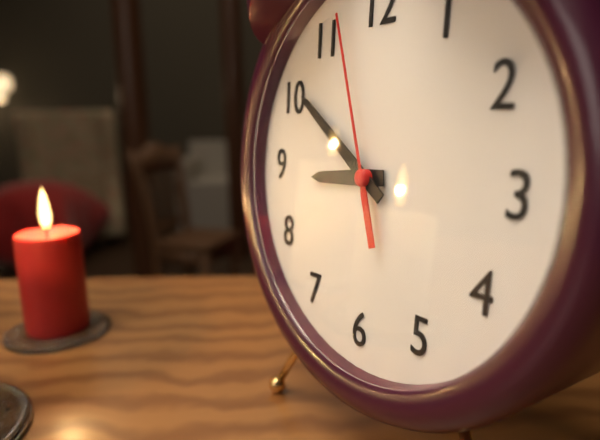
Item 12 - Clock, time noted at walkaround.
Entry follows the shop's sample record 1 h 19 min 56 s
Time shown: 8 h 51 min 57 s
